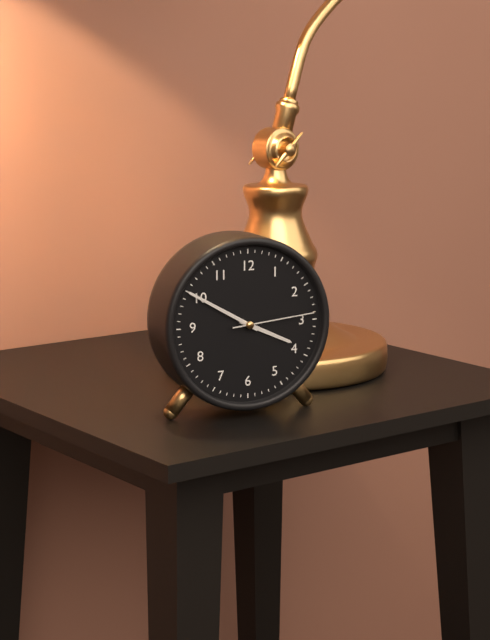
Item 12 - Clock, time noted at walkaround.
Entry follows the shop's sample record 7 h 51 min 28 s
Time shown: 3 h 50 min 14 s
